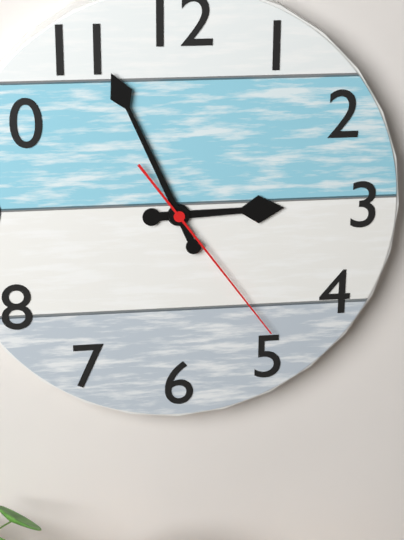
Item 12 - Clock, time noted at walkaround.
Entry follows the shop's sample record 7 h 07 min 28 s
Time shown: 2 h 56 min 24 s
